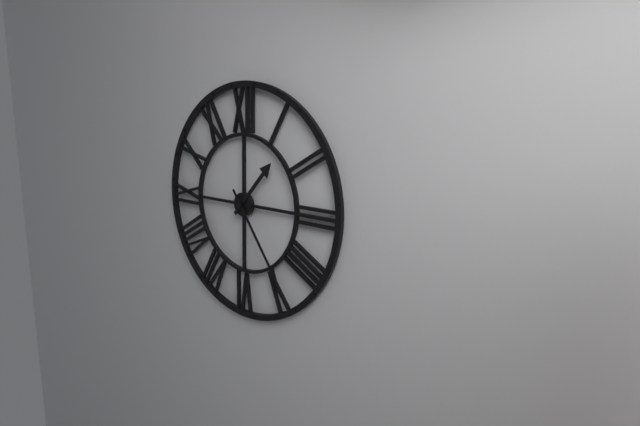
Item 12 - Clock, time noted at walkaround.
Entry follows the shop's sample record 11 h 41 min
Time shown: 1 h 24 min
